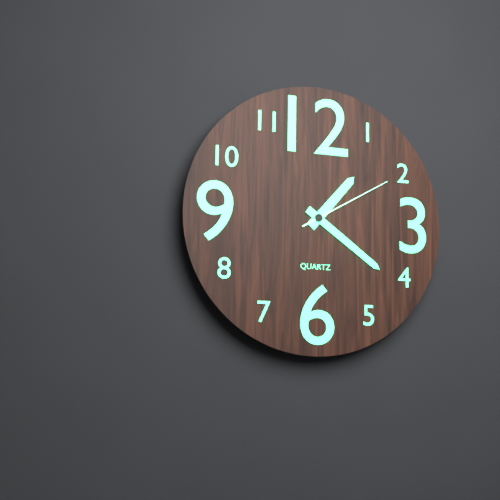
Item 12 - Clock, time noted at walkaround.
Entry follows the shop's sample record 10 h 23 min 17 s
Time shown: 1 h 21 min 10 s
